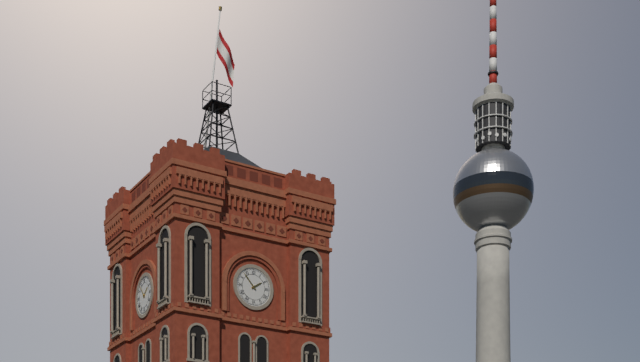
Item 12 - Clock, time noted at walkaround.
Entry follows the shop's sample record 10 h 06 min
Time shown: 1 h 53 min
